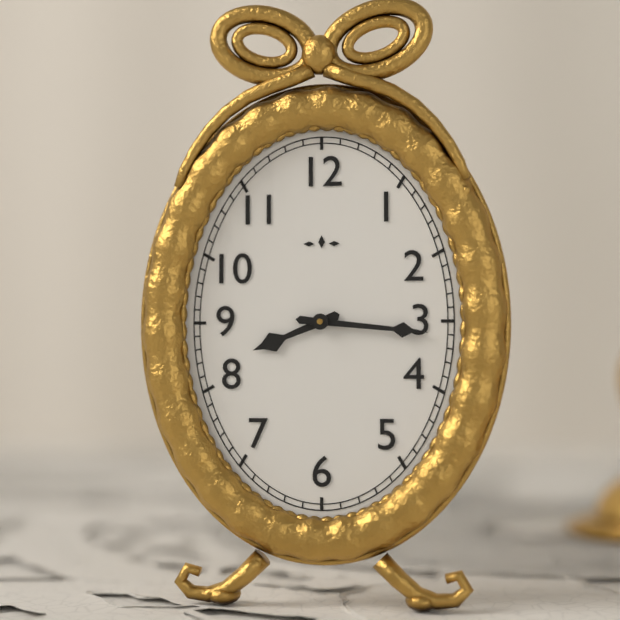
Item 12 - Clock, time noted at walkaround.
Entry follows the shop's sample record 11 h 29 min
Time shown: 8 h 16 min
